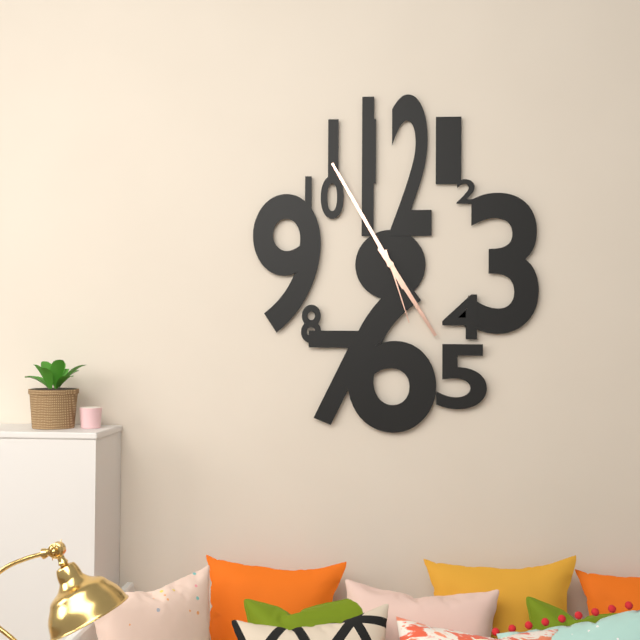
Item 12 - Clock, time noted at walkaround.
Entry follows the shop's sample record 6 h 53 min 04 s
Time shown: 4 h 55 min 27 s
